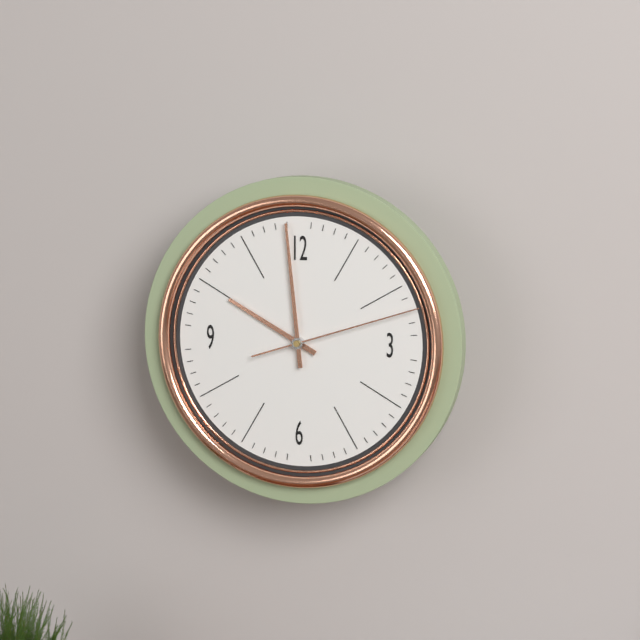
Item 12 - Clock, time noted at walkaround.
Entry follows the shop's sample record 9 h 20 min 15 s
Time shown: 9 h 59 min 12 s
